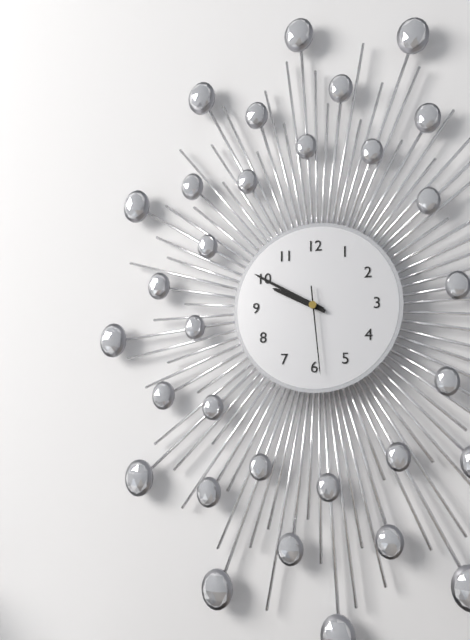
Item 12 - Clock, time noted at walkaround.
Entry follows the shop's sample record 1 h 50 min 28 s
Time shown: 9 h 50 min 29 s
